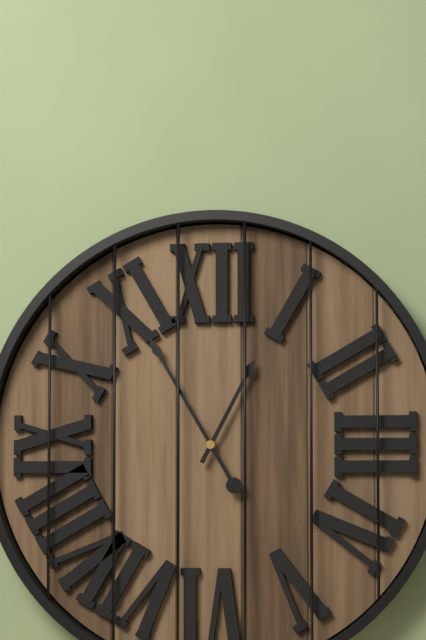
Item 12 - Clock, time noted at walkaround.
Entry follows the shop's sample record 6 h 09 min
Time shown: 12 h 55 min
